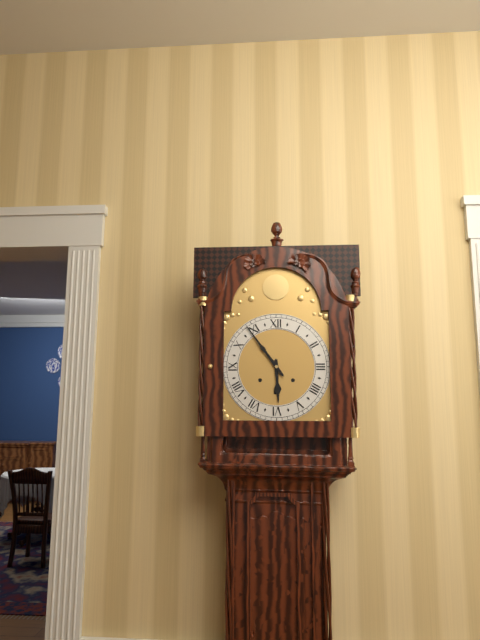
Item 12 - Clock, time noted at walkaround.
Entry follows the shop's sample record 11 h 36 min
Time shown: 5 h 54 min
